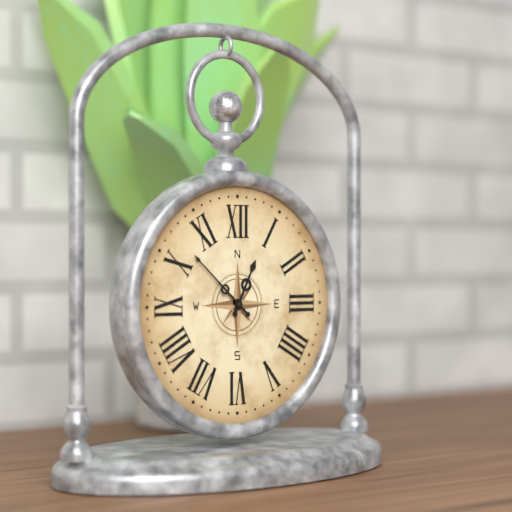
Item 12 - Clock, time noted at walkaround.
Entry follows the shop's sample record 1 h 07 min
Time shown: 12 h 52 min
